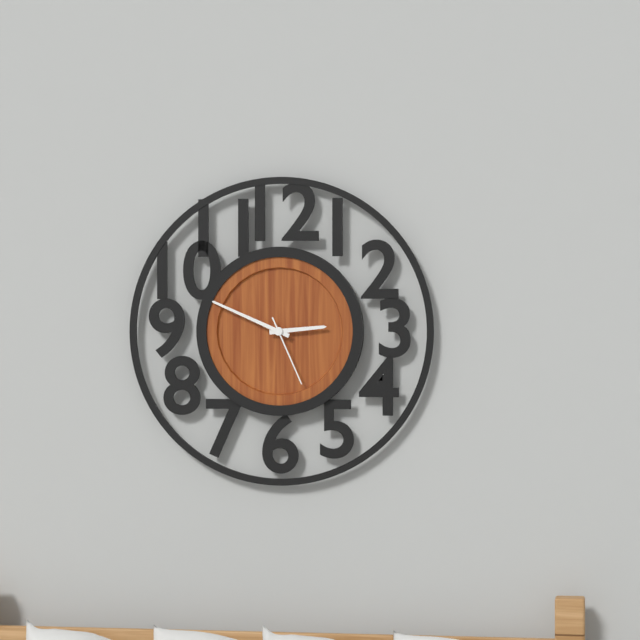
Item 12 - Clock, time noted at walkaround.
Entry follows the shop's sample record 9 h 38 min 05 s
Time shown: 2 h 49 min 26 s
